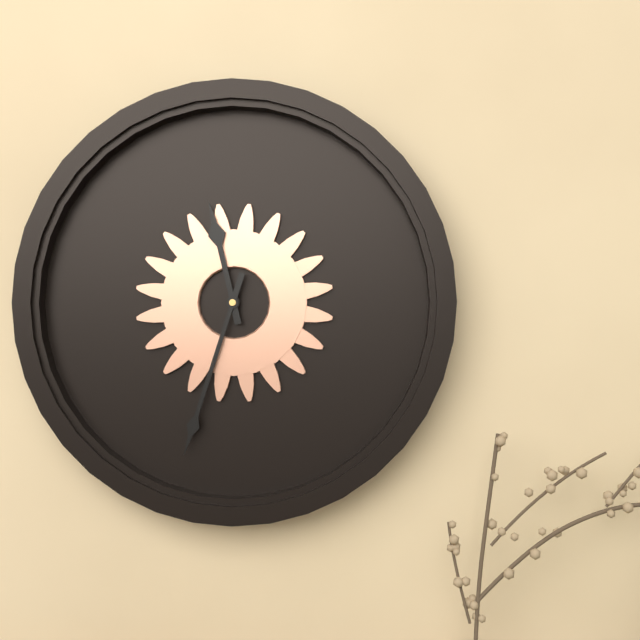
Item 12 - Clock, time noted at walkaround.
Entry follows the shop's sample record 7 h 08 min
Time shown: 11 h 33 min
